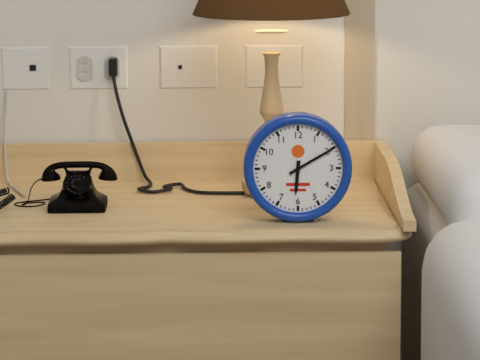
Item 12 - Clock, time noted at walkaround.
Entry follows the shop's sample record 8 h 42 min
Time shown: 6 h 10 min
